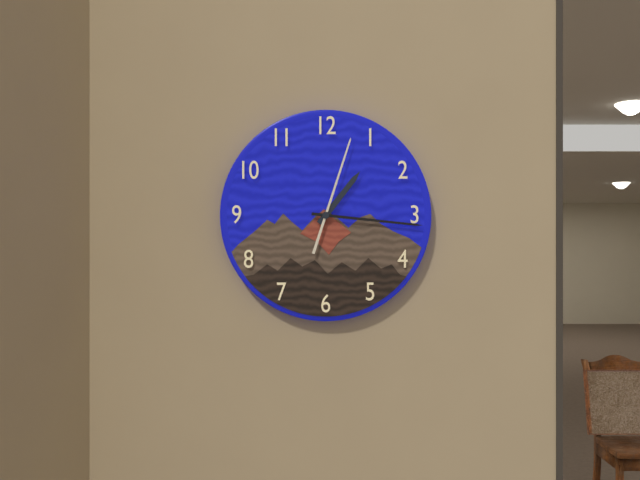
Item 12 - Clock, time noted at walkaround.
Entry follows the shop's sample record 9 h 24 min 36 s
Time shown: 1 h 16 min 03 s
